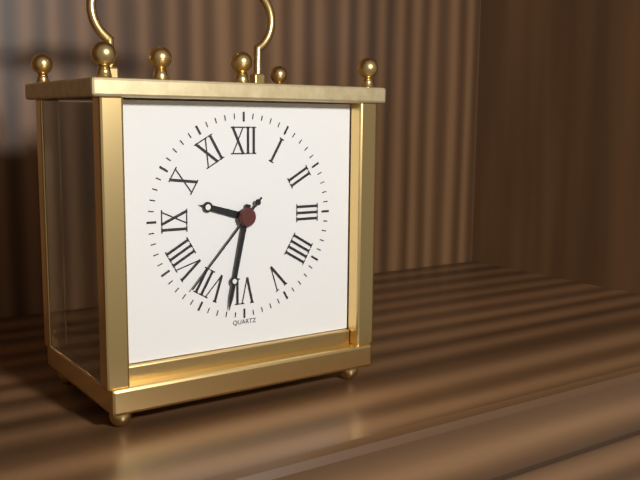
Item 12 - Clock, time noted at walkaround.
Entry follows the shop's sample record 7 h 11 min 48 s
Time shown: 9 h 32 min 37 s
